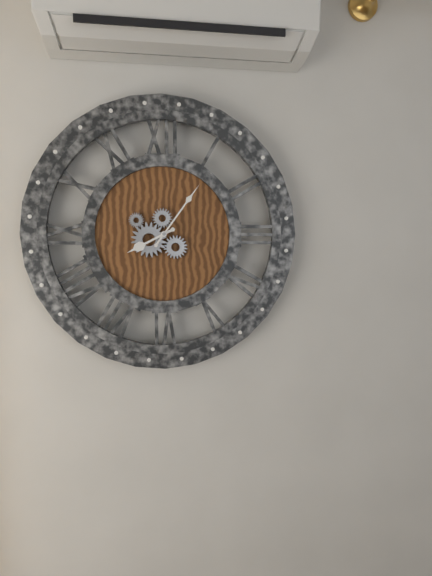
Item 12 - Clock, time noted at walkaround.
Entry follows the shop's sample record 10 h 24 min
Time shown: 8 h 06 min
